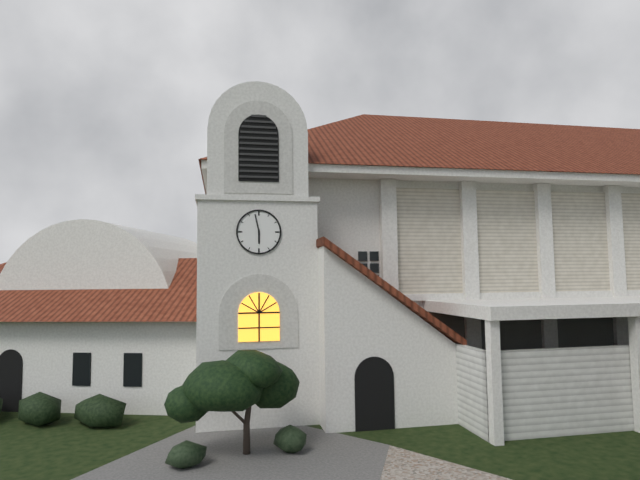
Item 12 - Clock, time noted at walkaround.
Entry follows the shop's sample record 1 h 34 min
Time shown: 5 h 58 min
